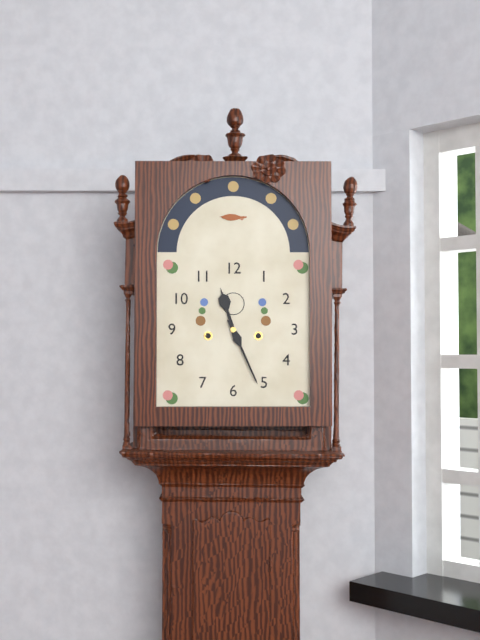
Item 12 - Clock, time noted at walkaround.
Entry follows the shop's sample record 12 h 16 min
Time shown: 11 h 26 min
